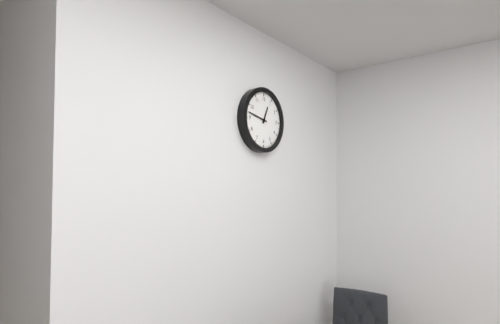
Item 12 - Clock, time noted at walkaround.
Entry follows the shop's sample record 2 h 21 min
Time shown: 12 h 47 min
